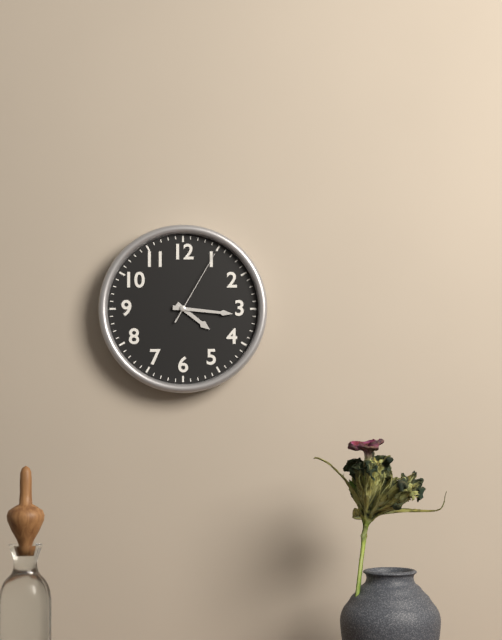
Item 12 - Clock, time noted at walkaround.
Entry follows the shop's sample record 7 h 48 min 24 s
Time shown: 4 h 16 min 05 s
